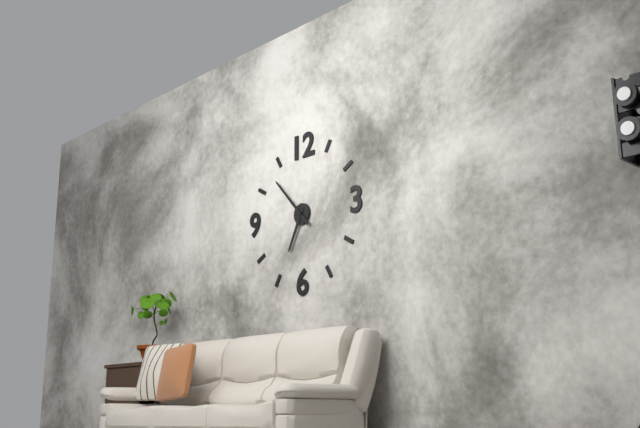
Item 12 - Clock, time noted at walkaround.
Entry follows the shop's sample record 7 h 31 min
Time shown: 6 h 53 min
